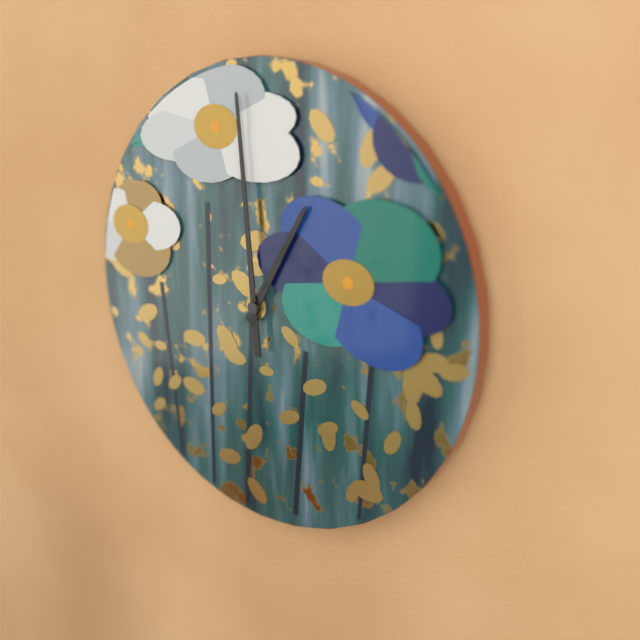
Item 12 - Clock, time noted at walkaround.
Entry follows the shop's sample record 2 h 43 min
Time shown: 12 h 59 min
